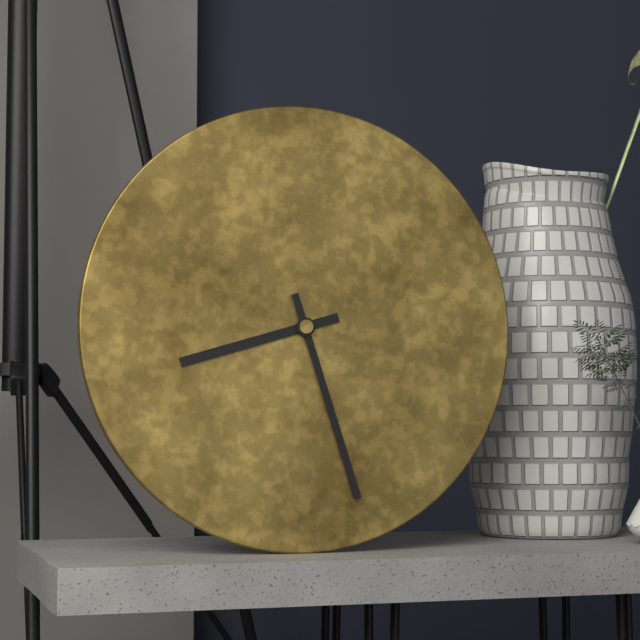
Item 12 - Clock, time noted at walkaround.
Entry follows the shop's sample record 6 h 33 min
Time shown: 8 h 27 min
